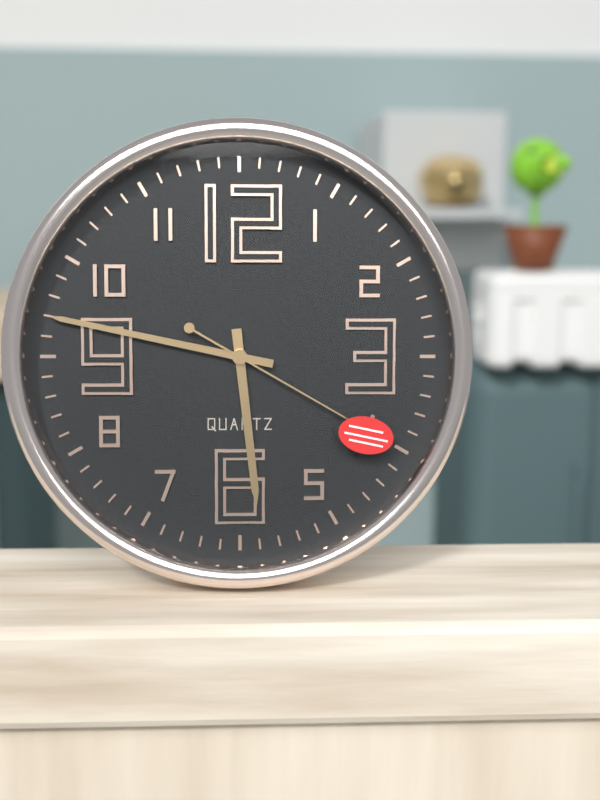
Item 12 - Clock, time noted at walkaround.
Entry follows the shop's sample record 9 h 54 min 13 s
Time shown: 5 h 47 min 20 s
